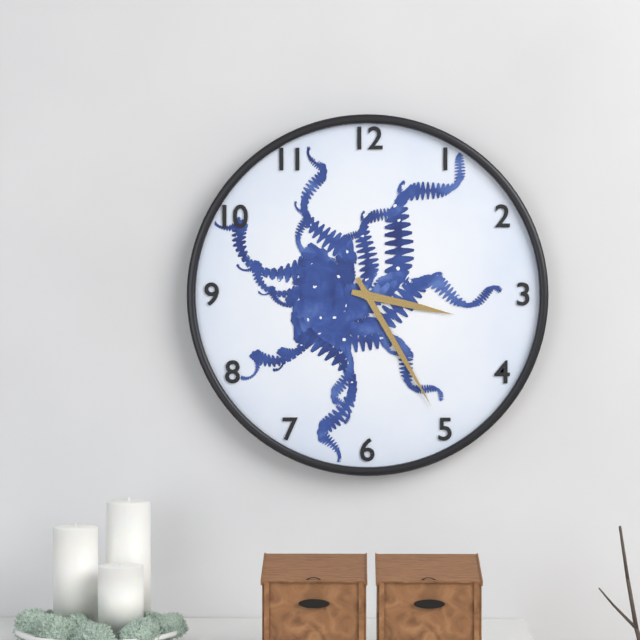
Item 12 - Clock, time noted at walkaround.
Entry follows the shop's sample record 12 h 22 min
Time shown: 3 h 25 min
